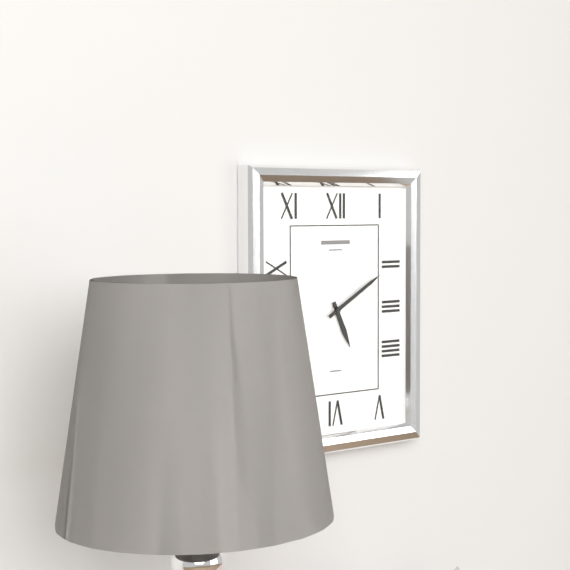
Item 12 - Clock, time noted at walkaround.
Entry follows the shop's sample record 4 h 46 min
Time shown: 5 h 10 min
